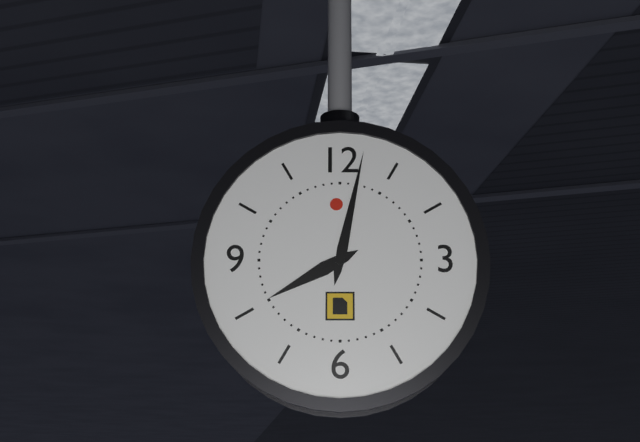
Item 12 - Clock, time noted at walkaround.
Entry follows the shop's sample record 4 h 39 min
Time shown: 8 h 02 min
